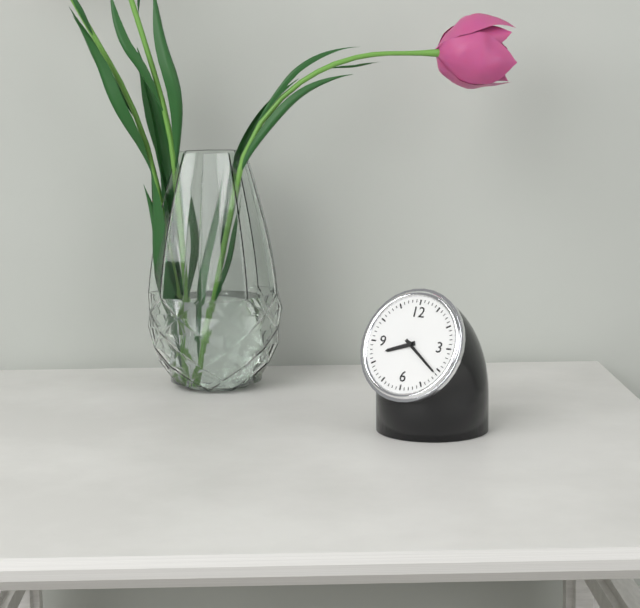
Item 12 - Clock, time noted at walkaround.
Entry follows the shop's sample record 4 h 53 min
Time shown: 8 h 21 min
